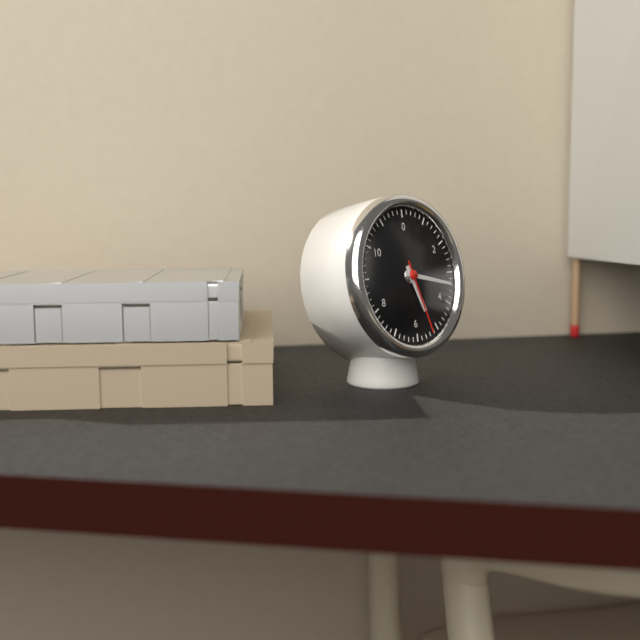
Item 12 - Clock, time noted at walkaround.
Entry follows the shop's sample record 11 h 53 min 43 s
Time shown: 5 h 17 min 27 s
